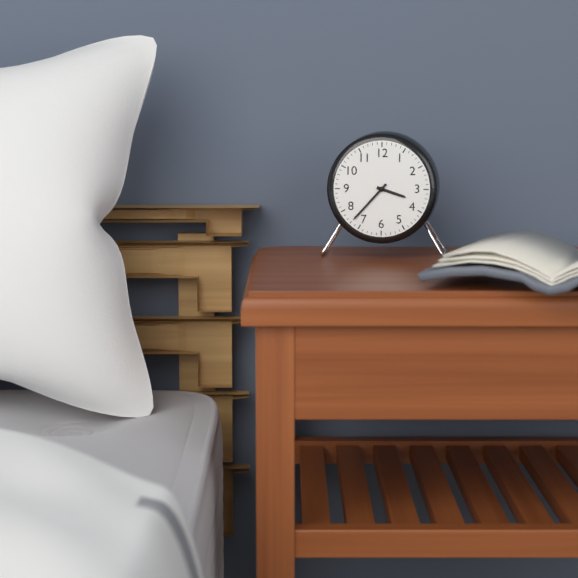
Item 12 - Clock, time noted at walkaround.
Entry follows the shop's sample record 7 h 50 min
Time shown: 3 h 37 min
